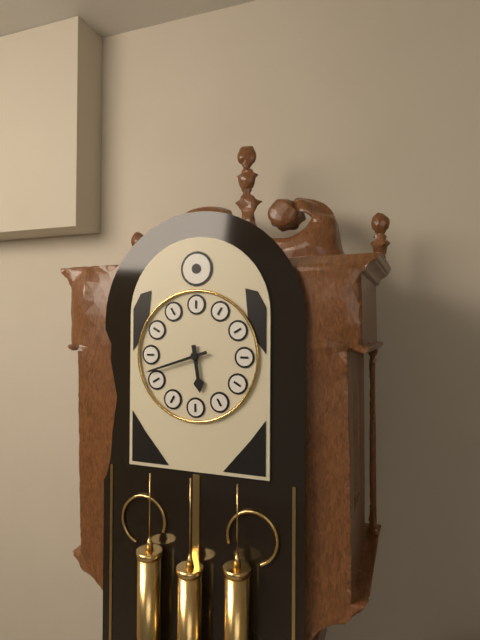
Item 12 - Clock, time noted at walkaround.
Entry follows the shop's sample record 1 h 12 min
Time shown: 5 h 42 min
